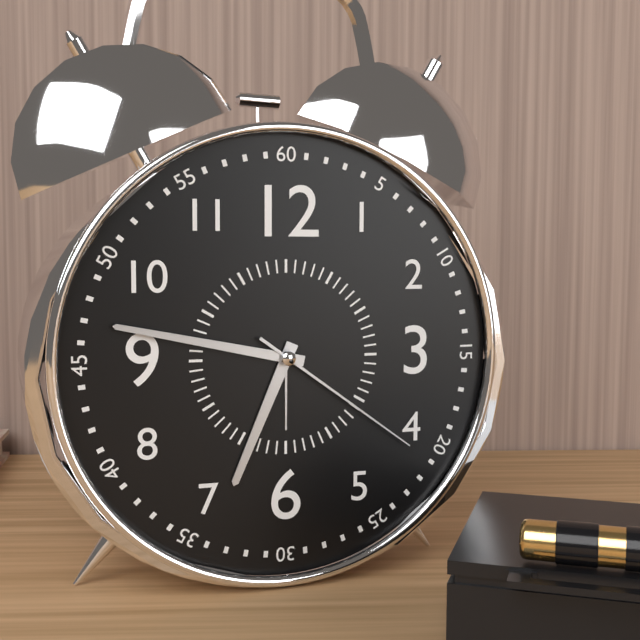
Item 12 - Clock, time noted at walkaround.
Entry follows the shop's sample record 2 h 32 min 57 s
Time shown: 6 h 47 min 21 s
